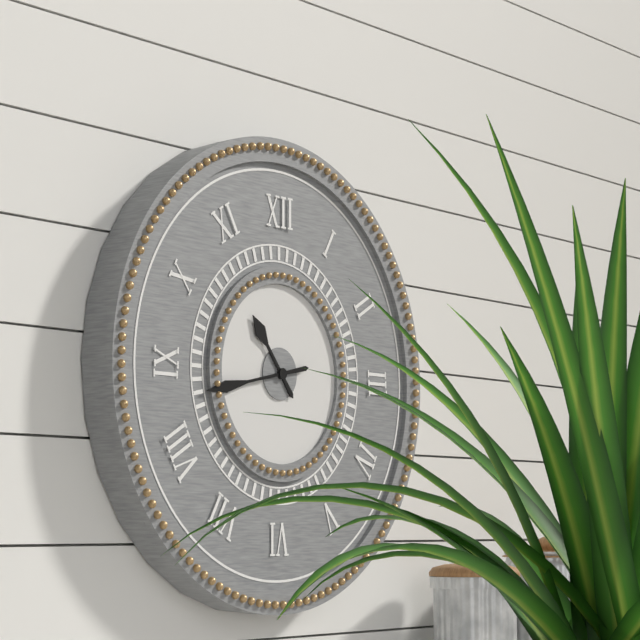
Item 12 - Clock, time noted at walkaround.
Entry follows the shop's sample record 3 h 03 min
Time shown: 10 h 43 min
